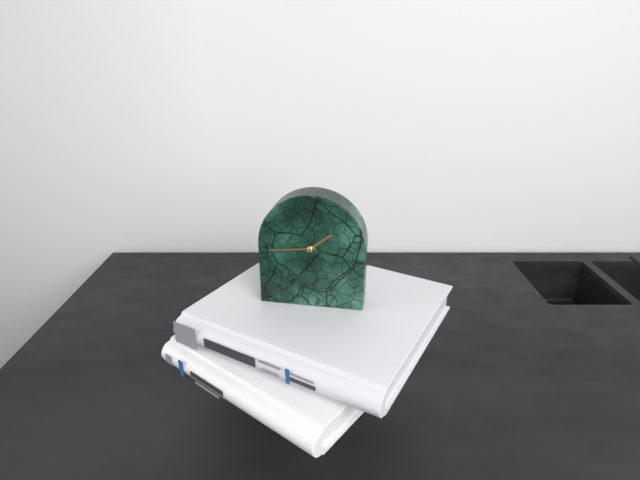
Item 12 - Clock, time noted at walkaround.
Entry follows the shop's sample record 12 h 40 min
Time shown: 1 h 44 min
